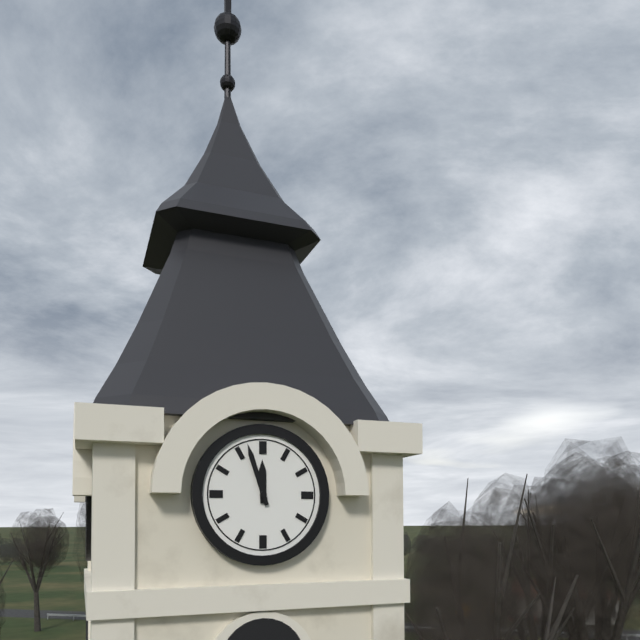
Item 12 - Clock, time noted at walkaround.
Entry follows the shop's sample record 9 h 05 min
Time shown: 11 h 57 min
